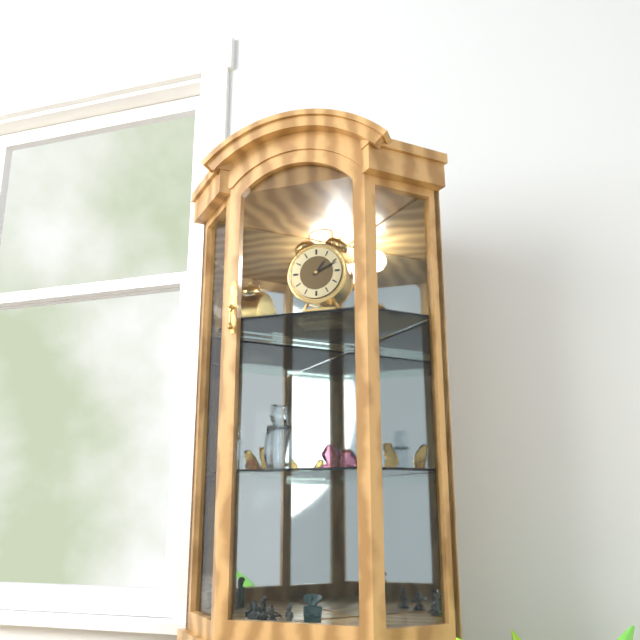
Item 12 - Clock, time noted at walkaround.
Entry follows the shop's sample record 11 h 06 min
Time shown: 1 h 11 min
